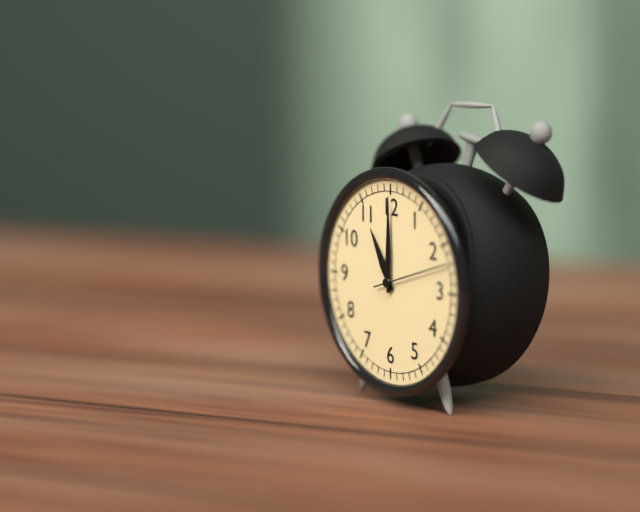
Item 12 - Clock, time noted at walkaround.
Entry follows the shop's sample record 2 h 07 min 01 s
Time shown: 11 h 00 min 12 s
